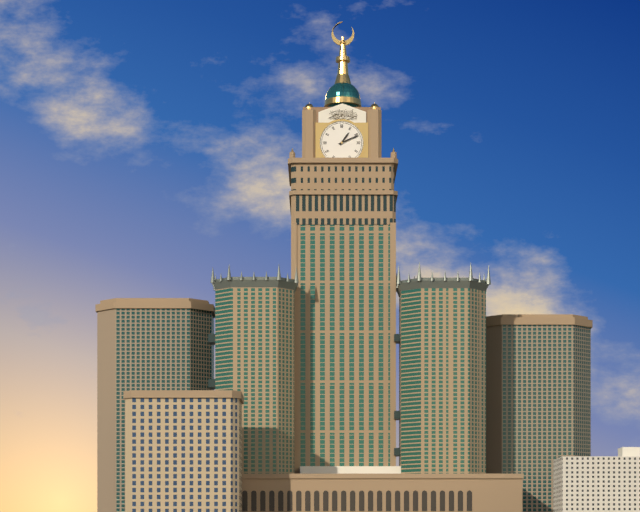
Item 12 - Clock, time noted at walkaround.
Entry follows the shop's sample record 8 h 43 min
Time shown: 1 h 11 min
